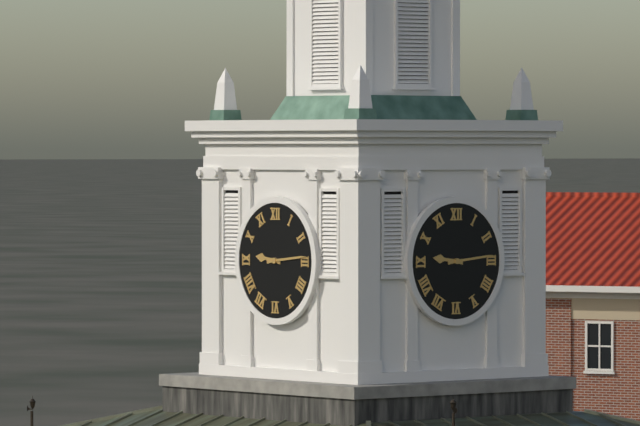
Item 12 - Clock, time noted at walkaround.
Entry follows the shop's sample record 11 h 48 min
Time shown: 9 h 14 min
